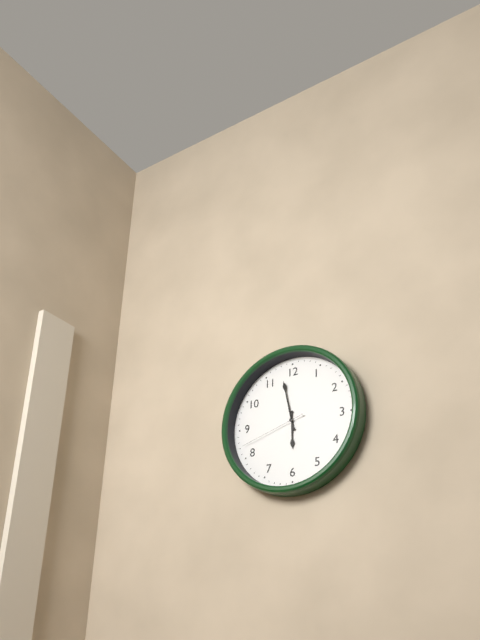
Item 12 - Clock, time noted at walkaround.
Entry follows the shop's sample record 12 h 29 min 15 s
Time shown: 5 h 58 min 42 s
